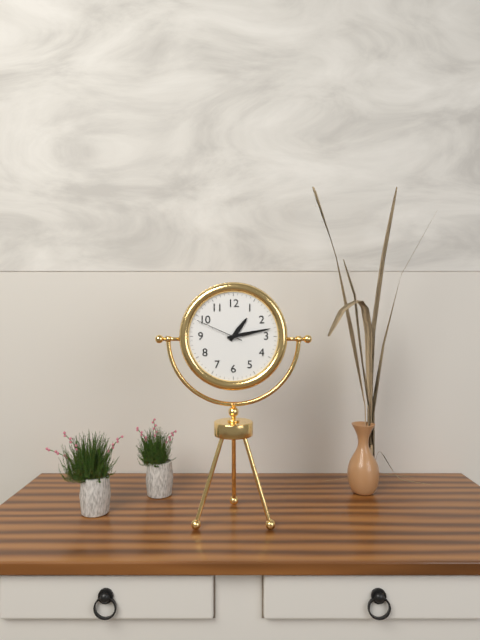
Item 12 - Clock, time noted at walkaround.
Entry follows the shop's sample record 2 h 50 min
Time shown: 1 h 13 min
